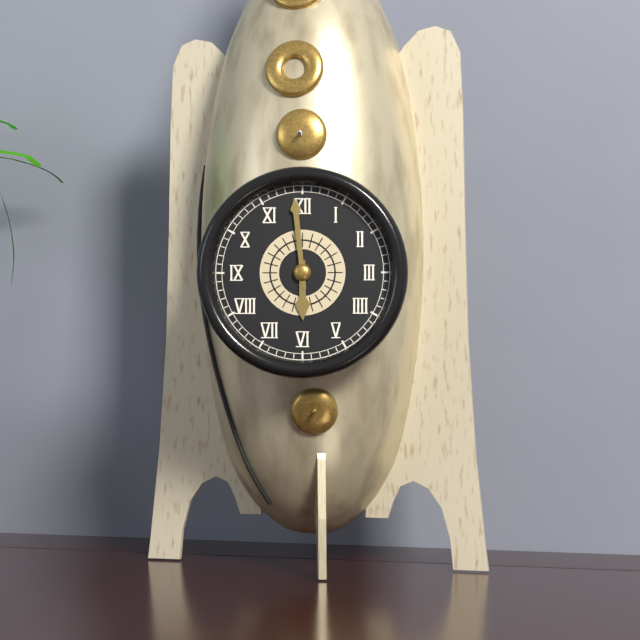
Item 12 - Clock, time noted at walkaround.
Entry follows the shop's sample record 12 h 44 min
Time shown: 5 h 59 min
